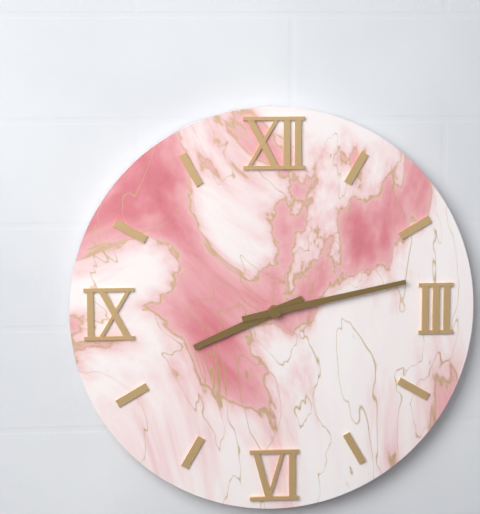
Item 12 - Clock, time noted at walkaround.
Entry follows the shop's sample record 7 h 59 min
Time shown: 8 h 13 min
